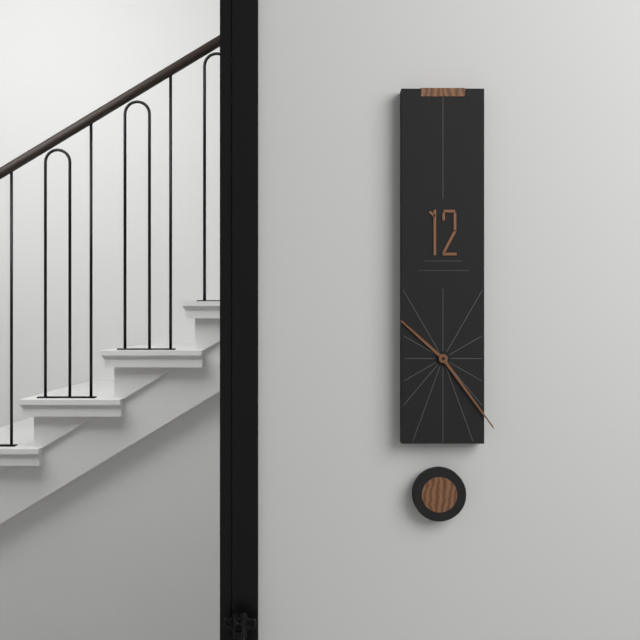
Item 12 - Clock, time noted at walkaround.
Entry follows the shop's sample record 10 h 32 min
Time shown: 10 h 24 min
